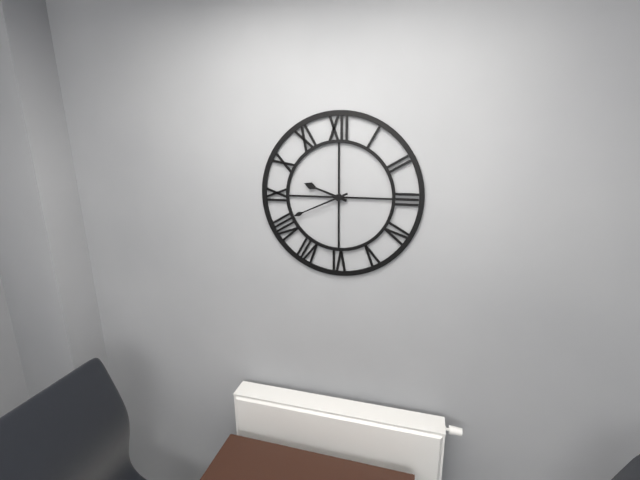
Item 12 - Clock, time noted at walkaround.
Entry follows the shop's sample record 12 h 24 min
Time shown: 9 h 41 min
